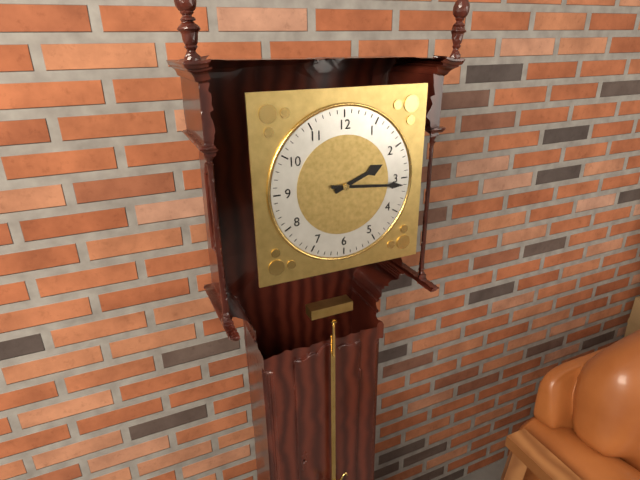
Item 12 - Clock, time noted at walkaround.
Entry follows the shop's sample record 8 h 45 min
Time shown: 2 h 16 min
